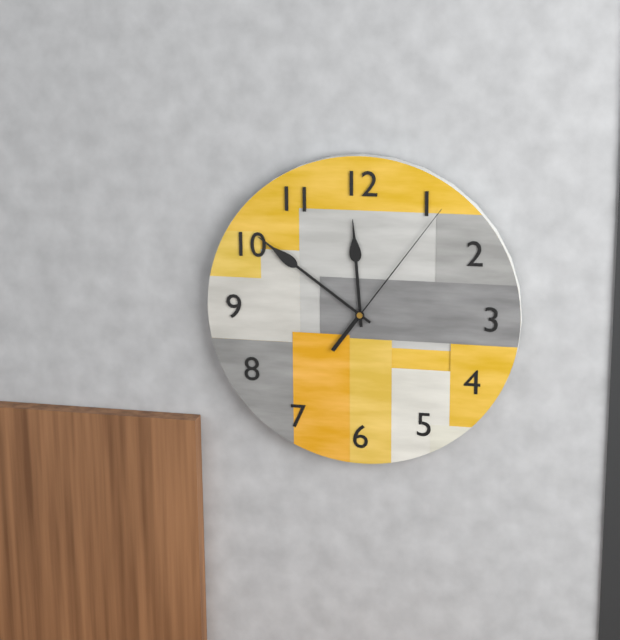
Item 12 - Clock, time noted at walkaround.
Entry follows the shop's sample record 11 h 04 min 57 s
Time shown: 11 h 51 min 06 s
